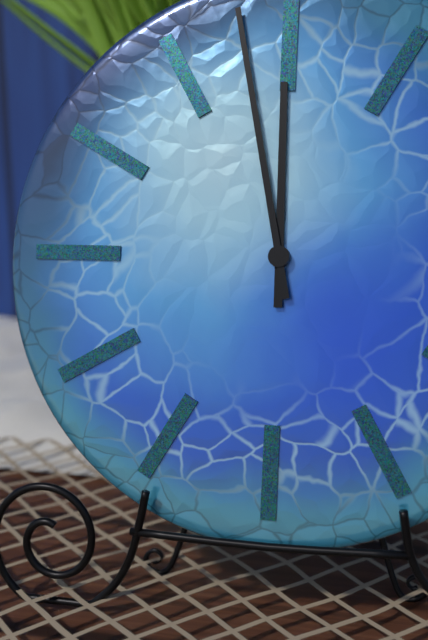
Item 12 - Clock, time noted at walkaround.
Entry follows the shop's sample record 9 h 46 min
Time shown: 11 h 58 min
